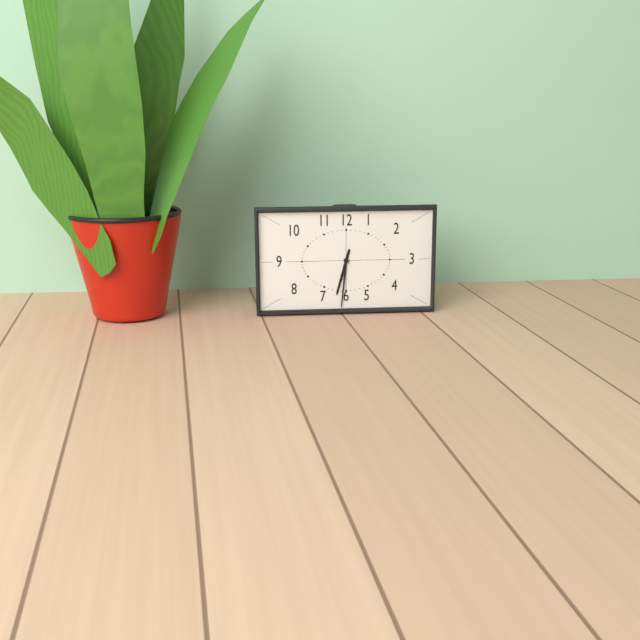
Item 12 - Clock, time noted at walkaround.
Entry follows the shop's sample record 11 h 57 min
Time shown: 6 h 31 min
